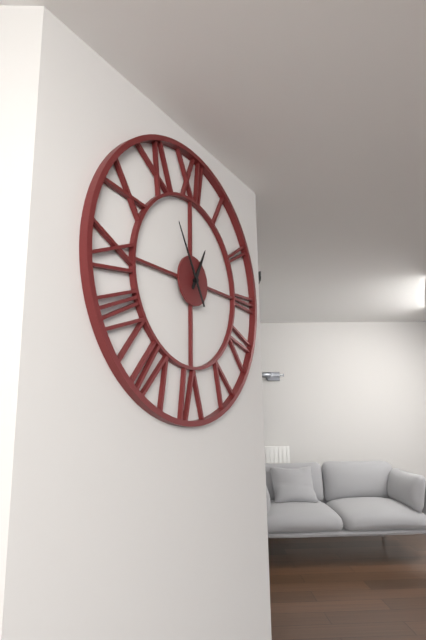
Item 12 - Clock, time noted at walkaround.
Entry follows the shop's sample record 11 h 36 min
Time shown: 12 h 55 min
